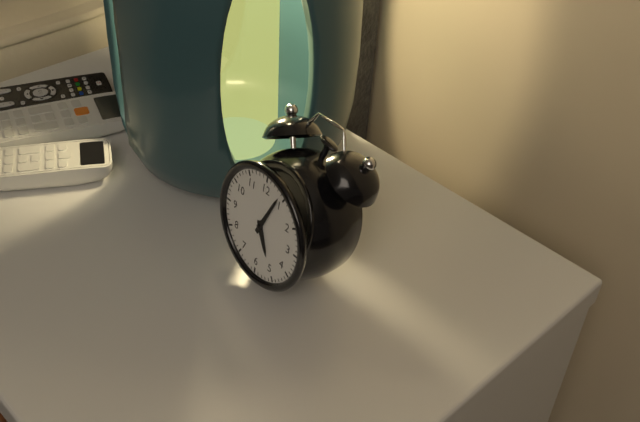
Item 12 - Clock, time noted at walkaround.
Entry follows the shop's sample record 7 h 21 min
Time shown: 5 h 04 min
